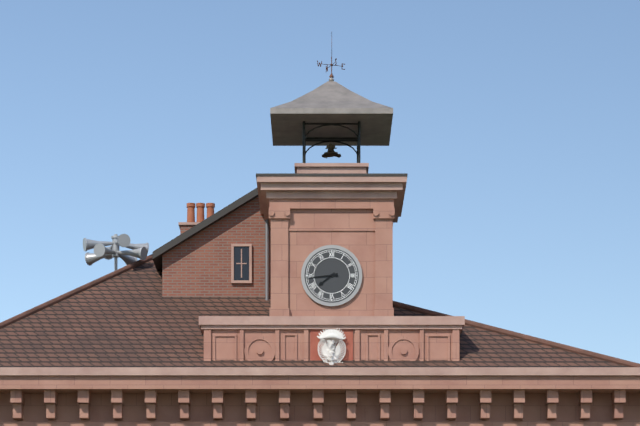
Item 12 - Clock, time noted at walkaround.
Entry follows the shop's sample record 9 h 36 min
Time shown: 7 h 44 min
